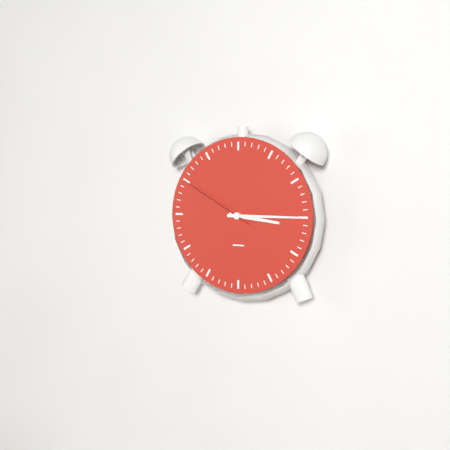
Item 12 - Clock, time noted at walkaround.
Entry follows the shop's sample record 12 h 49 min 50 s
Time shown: 3 h 15 min 50 s
